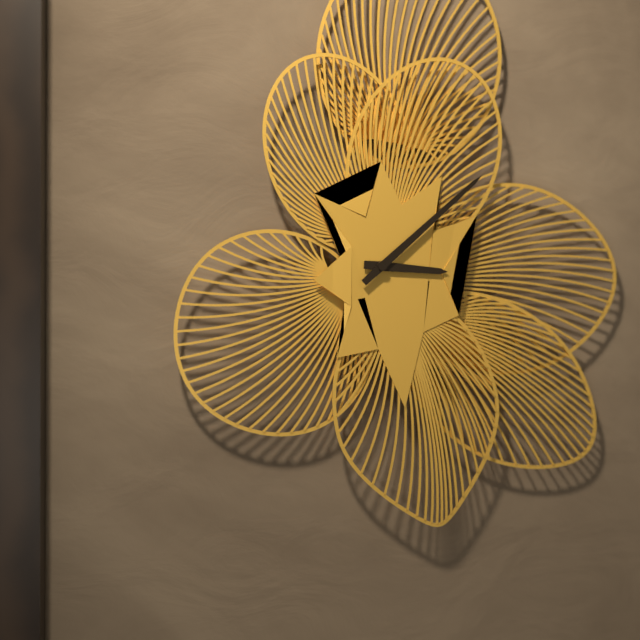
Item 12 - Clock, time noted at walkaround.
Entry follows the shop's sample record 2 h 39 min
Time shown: 3 h 08 min
